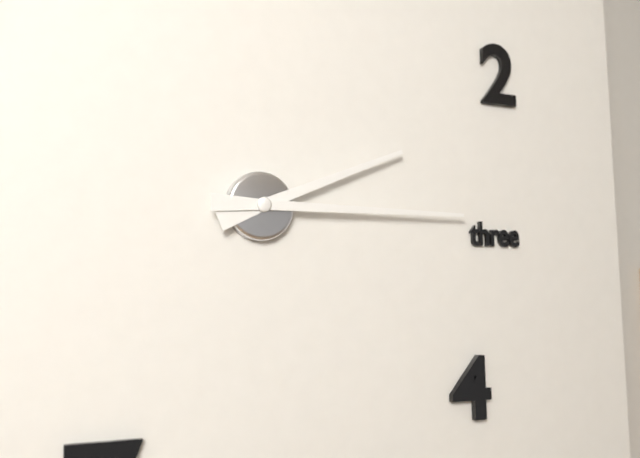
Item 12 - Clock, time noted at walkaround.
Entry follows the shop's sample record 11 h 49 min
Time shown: 2 h 15 min
